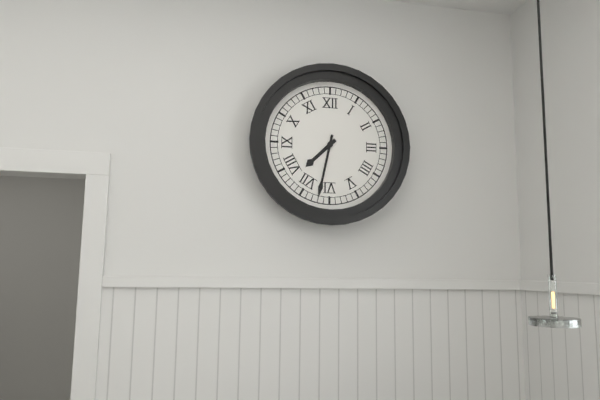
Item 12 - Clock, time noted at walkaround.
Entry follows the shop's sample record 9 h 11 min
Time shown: 7 h 32 min
